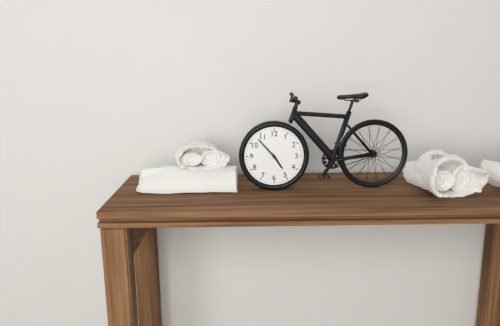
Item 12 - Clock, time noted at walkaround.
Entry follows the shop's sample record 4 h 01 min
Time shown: 4 h 53 min
